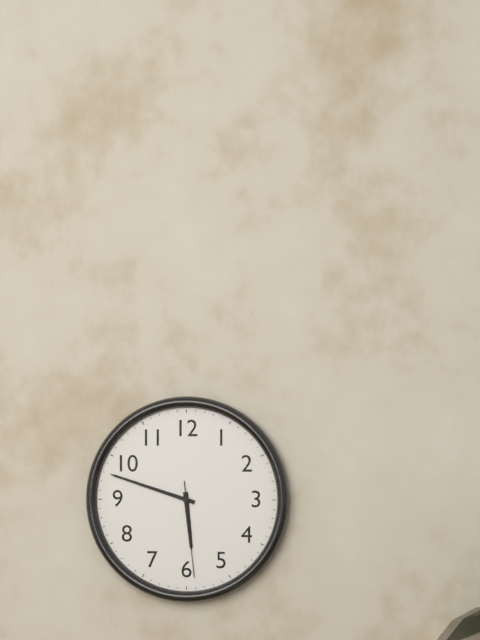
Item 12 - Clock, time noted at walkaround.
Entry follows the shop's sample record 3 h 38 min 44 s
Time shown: 5 h 48 min 29 s
